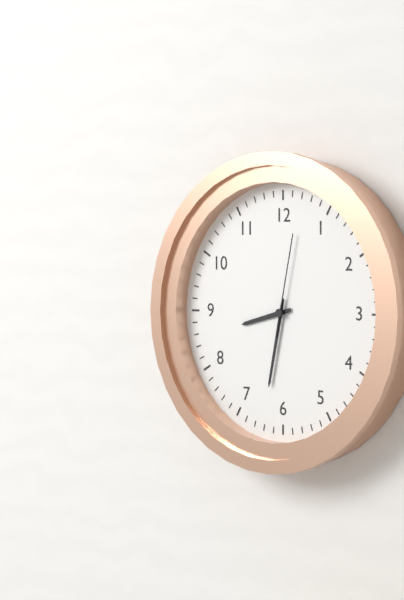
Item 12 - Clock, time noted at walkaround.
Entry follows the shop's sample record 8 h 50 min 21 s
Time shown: 8 h 32 min 02 s
